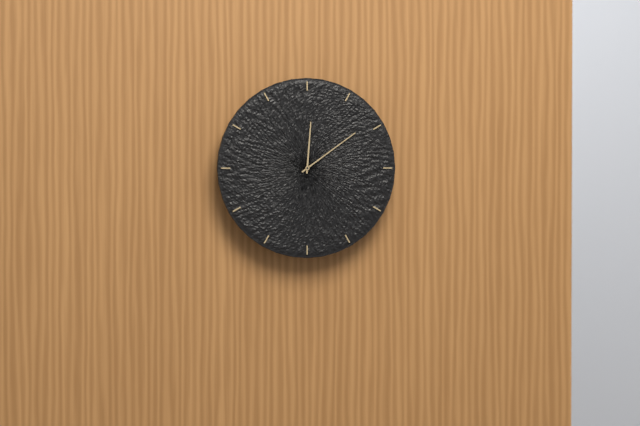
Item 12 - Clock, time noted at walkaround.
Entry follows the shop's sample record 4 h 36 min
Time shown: 12 h 09 min
